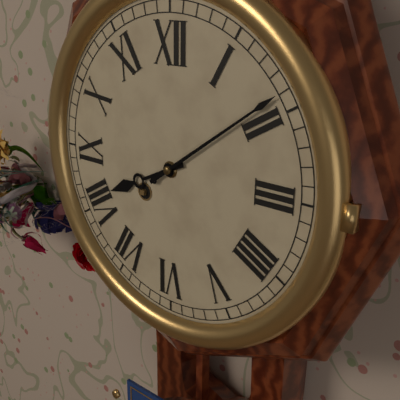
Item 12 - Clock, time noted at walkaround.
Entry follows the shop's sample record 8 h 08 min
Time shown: 8 h 09 min
